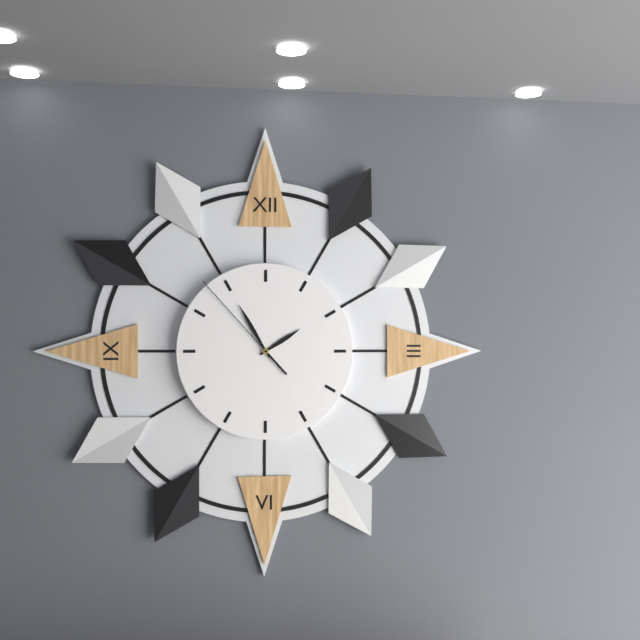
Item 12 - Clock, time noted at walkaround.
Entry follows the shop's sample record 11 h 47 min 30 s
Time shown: 1 h 55 min 53 s
